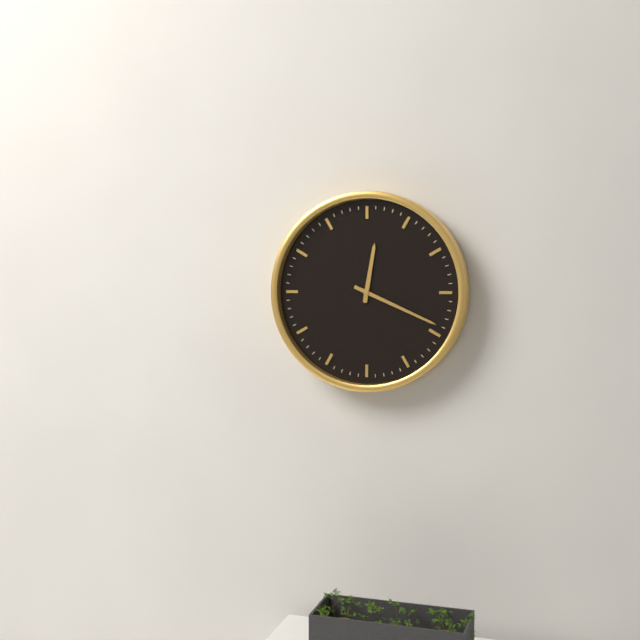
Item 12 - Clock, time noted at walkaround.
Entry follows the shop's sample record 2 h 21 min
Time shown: 12 h 19 min
